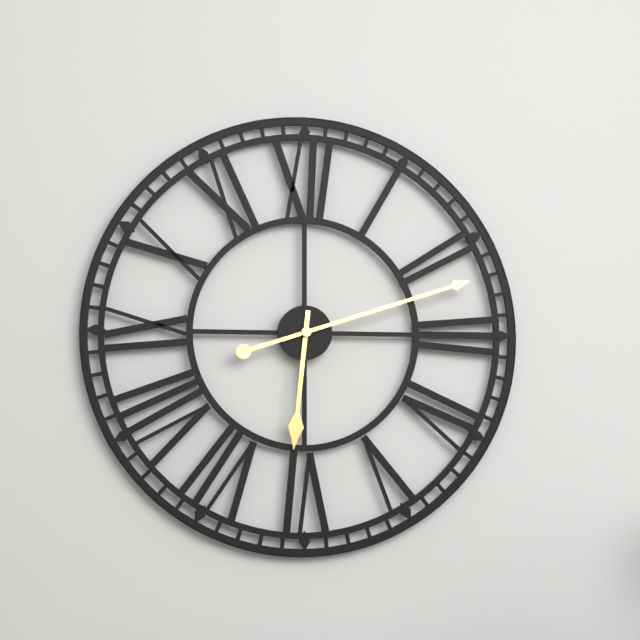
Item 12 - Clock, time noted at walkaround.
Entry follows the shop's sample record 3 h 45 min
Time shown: 6 h 12 min
